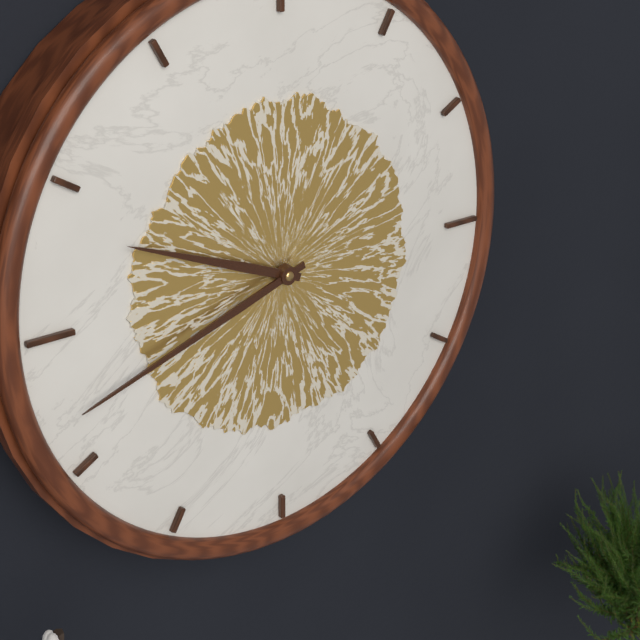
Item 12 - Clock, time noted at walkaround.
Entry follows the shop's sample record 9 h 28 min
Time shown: 9 h 42 min
